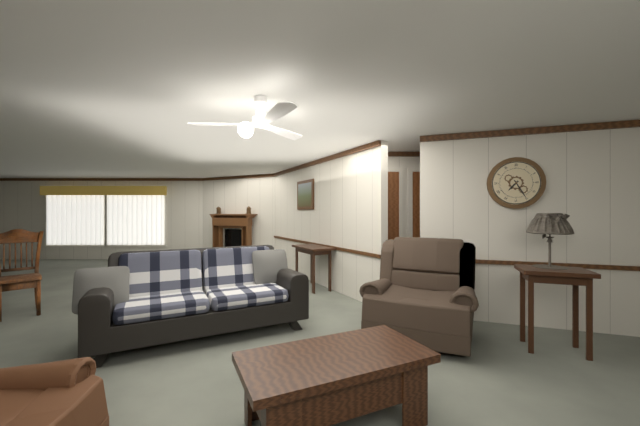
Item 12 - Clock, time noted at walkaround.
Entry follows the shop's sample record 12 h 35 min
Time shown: 7 h 25 min
